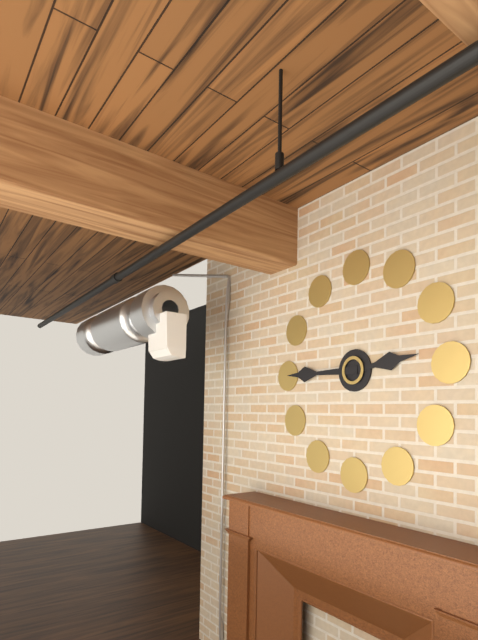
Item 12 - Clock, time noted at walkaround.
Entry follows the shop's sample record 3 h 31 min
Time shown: 2 h 45 min
